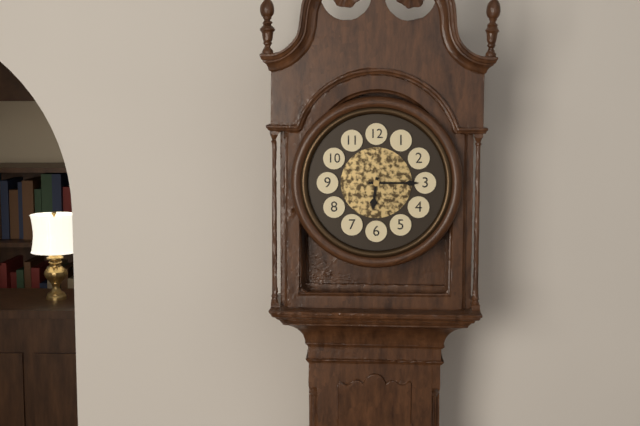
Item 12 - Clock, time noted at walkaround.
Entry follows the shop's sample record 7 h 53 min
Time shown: 6 h 15 min
